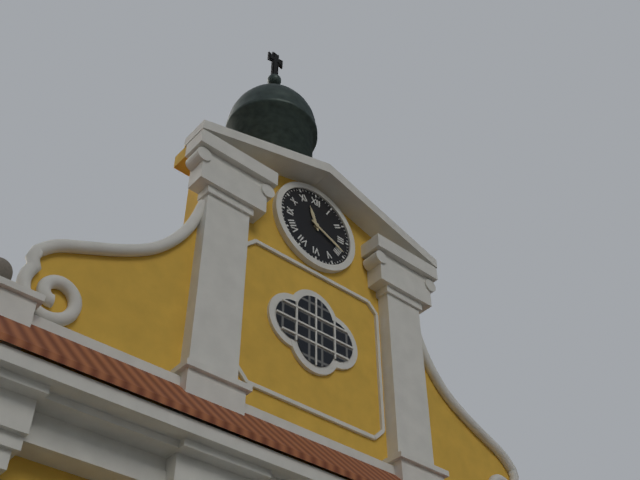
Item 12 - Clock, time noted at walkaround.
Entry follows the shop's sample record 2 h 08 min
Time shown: 11 h 19 min
